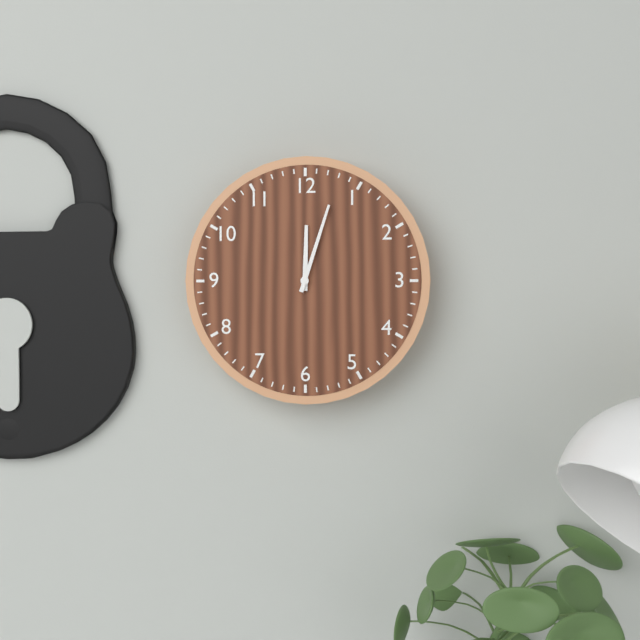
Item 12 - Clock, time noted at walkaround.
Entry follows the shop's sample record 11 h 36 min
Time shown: 12 h 03 min
